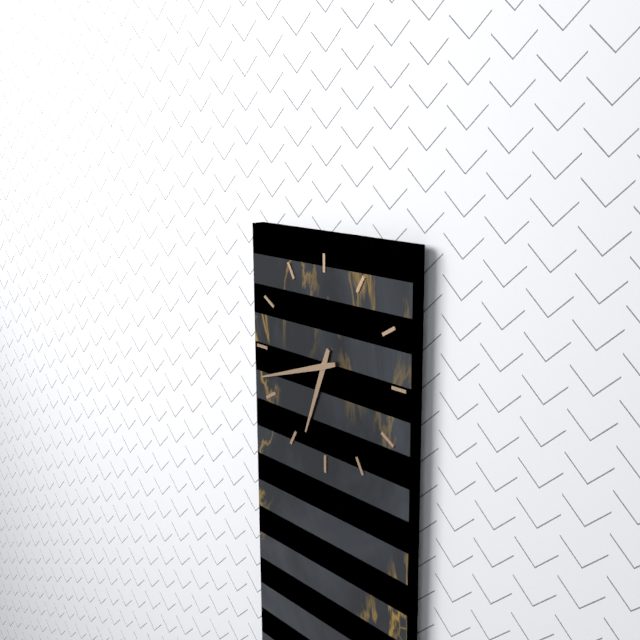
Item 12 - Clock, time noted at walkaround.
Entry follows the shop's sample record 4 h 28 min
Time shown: 6 h 42 min
